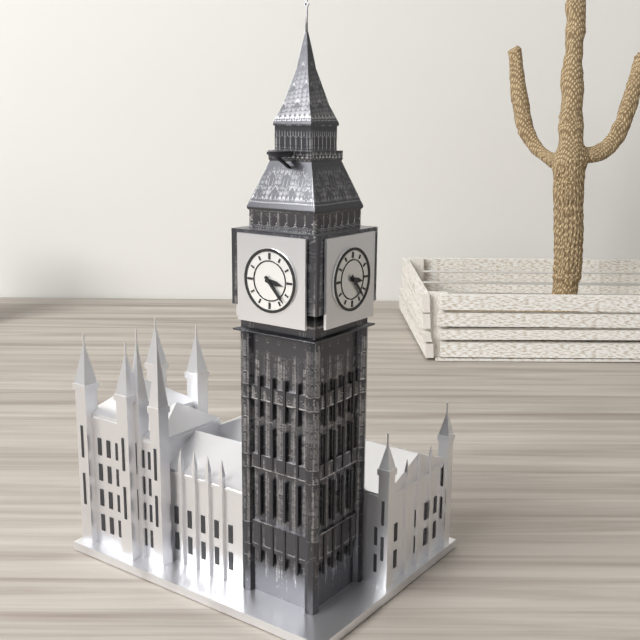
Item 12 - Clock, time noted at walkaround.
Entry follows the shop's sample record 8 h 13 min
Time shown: 3 h 23 min
